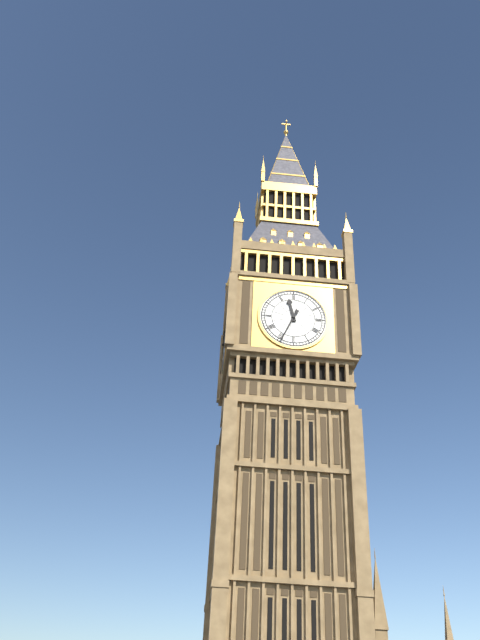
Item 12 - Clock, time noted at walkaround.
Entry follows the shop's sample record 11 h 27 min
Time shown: 11 h 34 min
